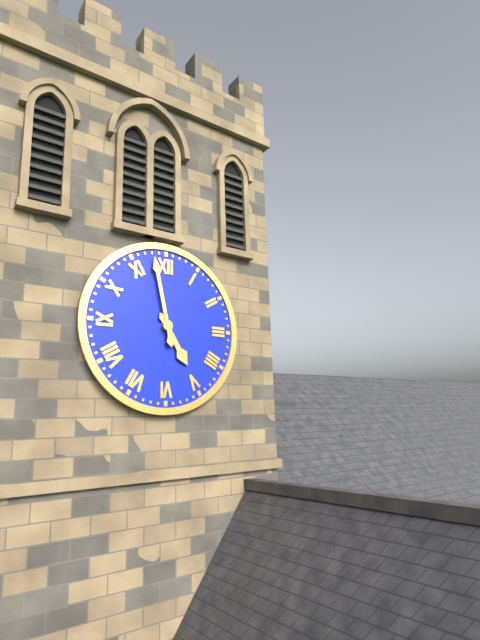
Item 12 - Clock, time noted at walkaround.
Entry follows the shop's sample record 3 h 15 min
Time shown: 4 h 58 min
